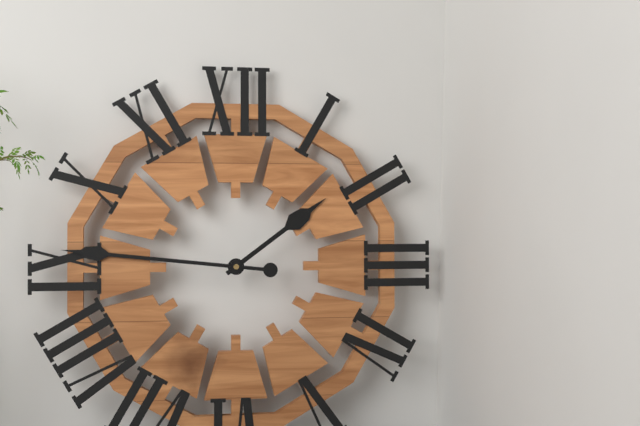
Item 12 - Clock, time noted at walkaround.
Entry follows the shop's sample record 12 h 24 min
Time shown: 1 h 46 min
